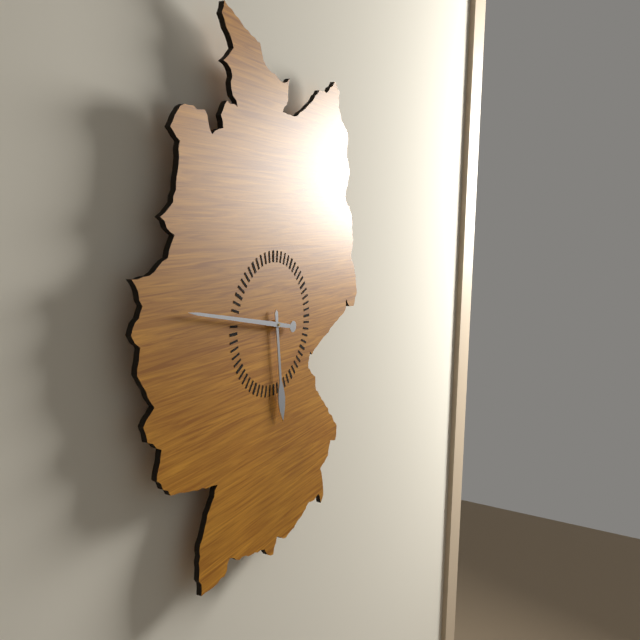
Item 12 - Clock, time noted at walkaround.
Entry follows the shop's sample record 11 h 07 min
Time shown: 5 h 47 min
